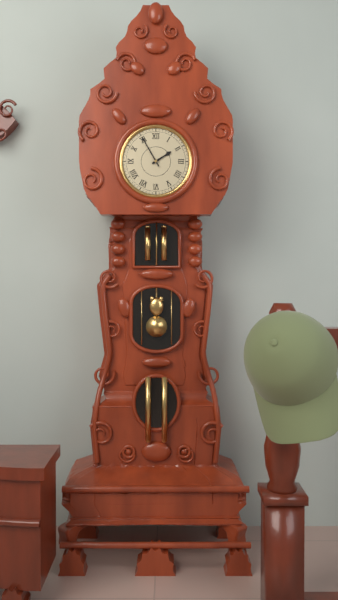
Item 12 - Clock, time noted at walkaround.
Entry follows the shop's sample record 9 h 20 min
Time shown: 1 h 55 min
